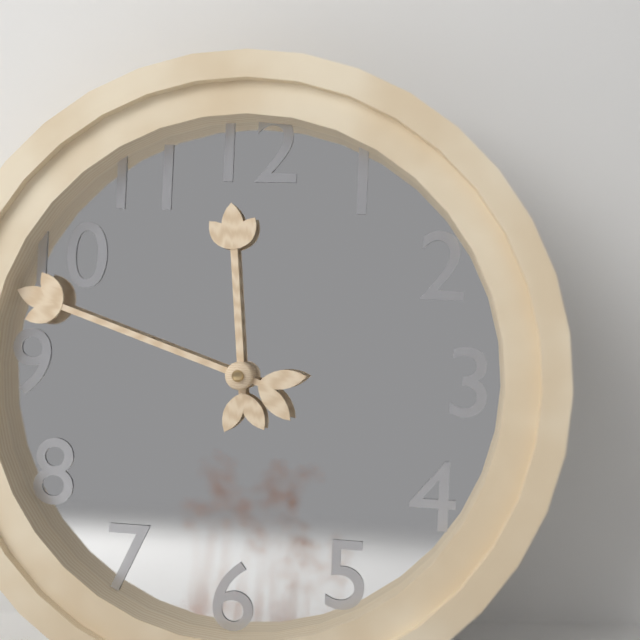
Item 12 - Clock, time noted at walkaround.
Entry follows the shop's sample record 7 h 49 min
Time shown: 11 h 48 min
